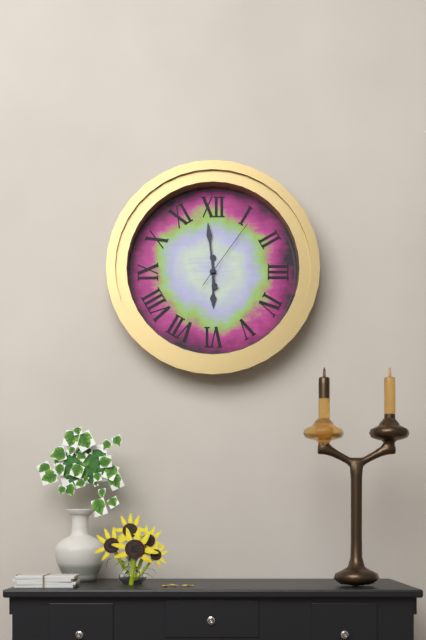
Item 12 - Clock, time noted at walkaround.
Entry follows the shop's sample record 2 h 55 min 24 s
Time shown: 5 h 59 min 06 s
